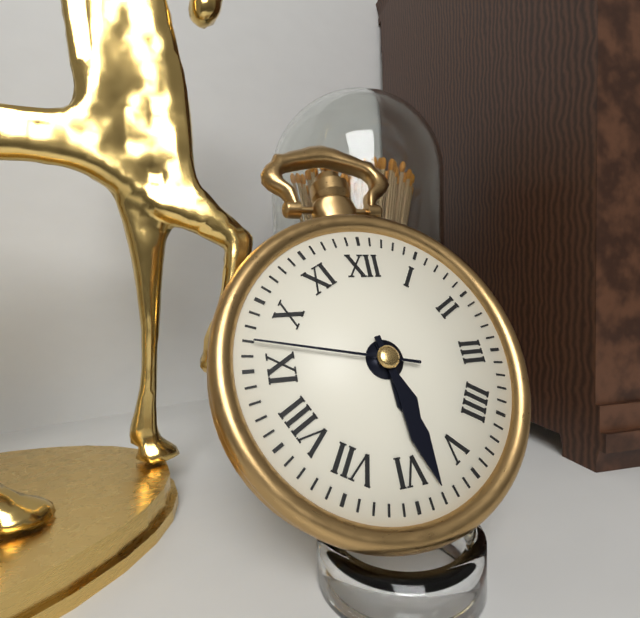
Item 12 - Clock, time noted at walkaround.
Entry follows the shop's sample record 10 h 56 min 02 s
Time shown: 5 h 28 min 47 s
